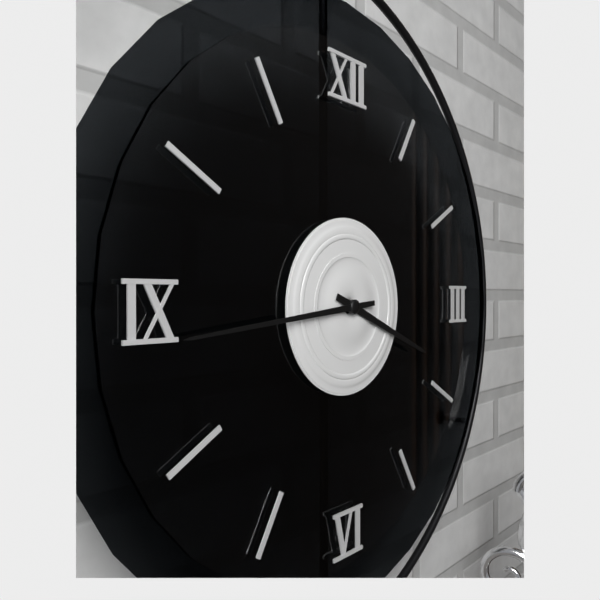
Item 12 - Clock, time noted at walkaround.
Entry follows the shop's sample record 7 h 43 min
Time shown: 3 h 44 min
